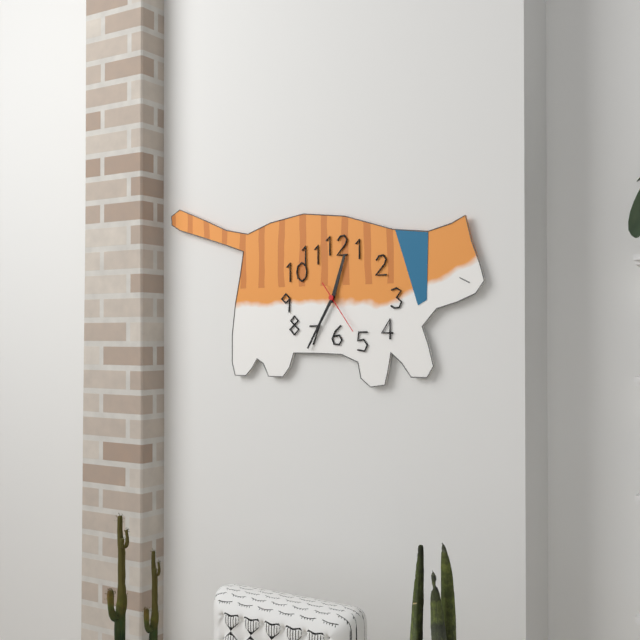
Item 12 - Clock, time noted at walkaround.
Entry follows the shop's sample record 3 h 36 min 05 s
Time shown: 12 h 35 min 24 s
